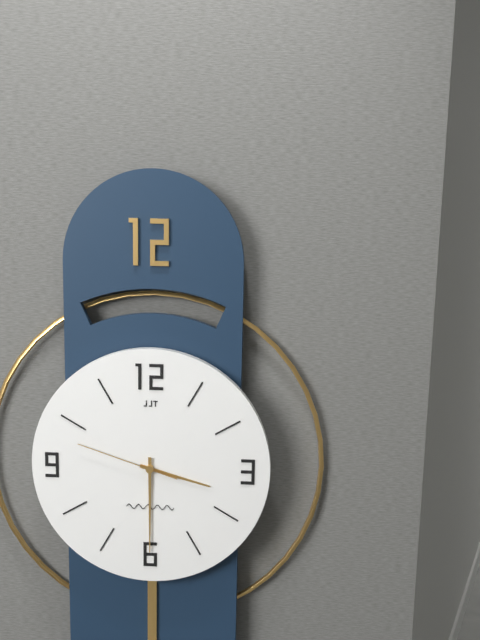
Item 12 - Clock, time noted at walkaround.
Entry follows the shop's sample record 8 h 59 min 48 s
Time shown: 3 h 30 min 48 s
